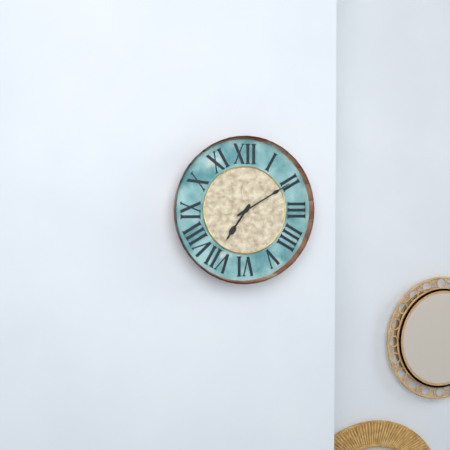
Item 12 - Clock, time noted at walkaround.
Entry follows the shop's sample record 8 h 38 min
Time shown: 7 h 10 min
